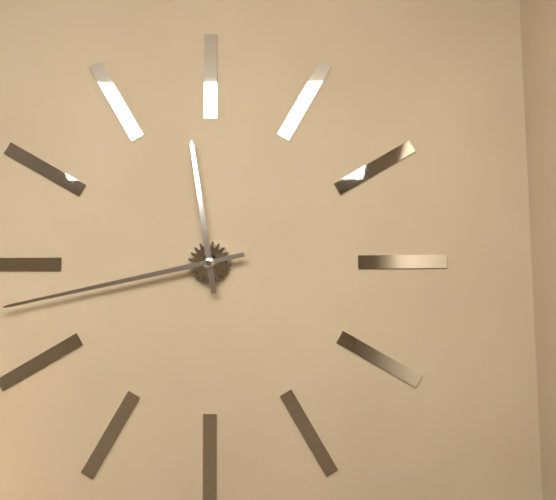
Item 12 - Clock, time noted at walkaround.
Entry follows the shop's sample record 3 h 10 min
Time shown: 11 h 43 min
